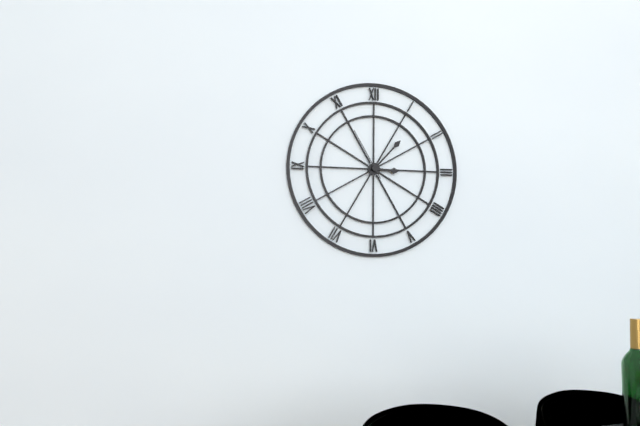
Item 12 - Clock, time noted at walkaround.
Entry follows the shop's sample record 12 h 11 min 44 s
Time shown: 3 h 07 min 55 s
